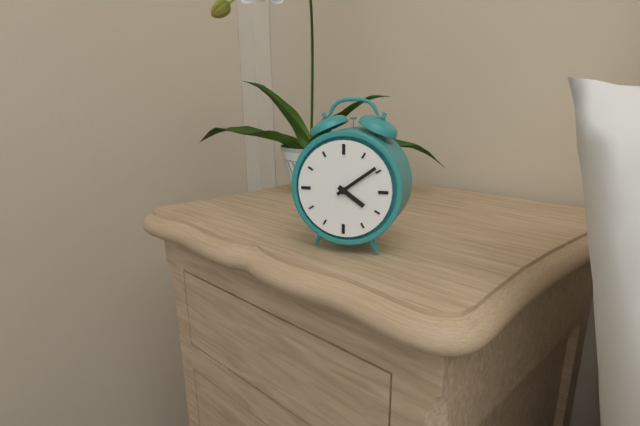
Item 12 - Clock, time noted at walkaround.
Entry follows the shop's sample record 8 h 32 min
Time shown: 4 h 09 min
